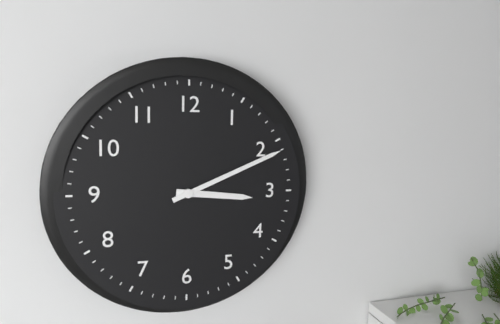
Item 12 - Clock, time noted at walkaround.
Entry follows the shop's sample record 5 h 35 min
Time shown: 3 h 11 min
